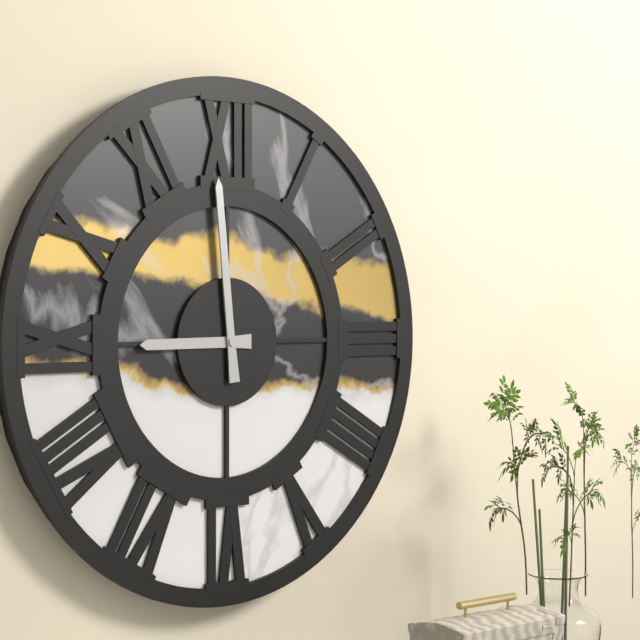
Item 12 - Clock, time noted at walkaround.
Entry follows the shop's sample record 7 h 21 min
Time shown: 8 h 59 min
